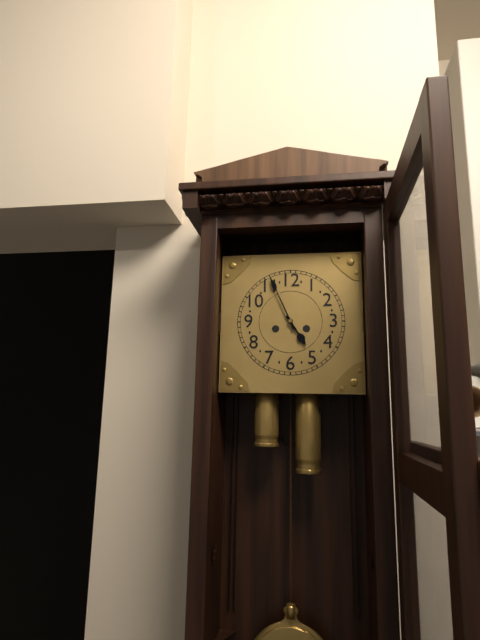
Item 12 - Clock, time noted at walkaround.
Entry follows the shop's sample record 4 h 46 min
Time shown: 4 h 56 min
